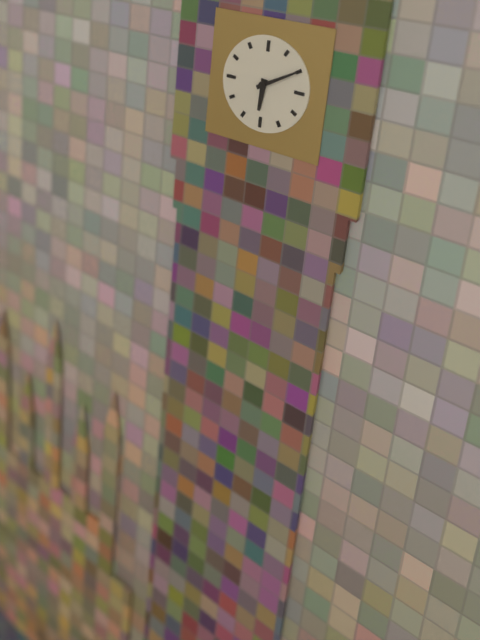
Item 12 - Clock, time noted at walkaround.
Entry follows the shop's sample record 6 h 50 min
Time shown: 6 h 10 min
